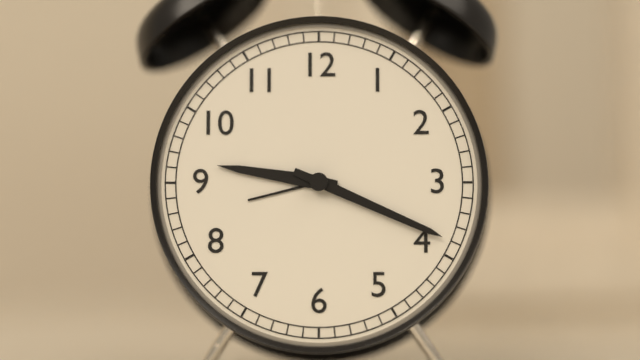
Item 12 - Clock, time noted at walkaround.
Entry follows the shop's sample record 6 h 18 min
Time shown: 9 h 19 min
